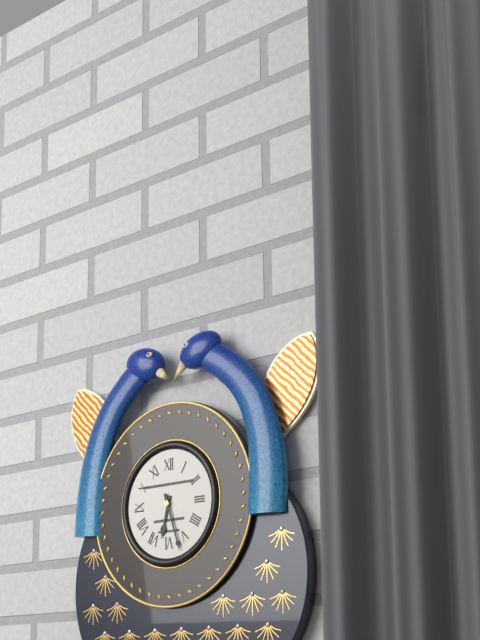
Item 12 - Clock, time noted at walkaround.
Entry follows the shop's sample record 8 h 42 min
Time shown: 6 h 27 min
